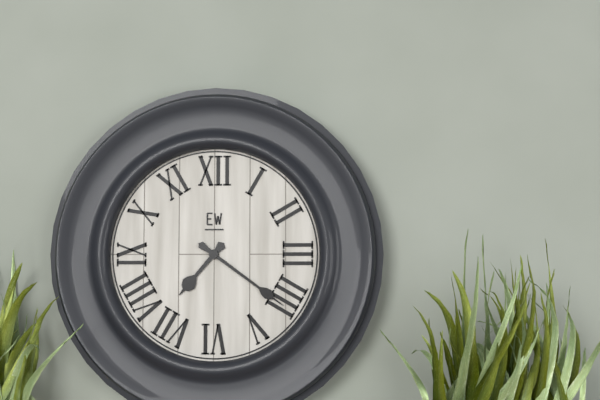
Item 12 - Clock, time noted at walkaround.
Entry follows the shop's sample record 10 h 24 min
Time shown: 7 h 21 min
